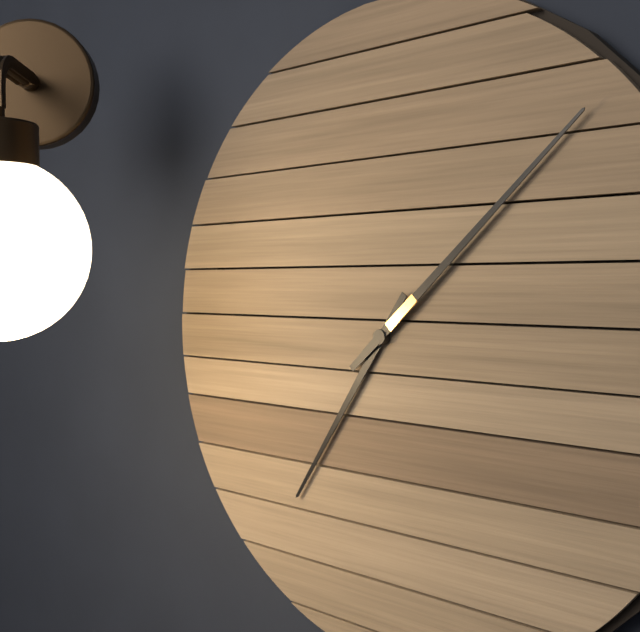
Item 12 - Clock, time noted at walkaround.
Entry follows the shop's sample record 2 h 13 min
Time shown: 7 h 08 min
